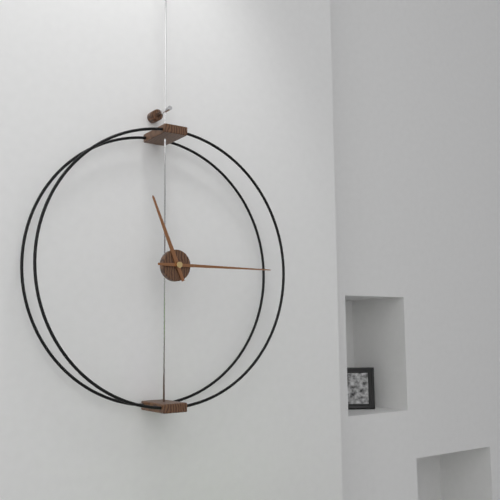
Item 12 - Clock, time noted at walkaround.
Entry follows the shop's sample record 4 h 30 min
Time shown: 11 h 15 min
